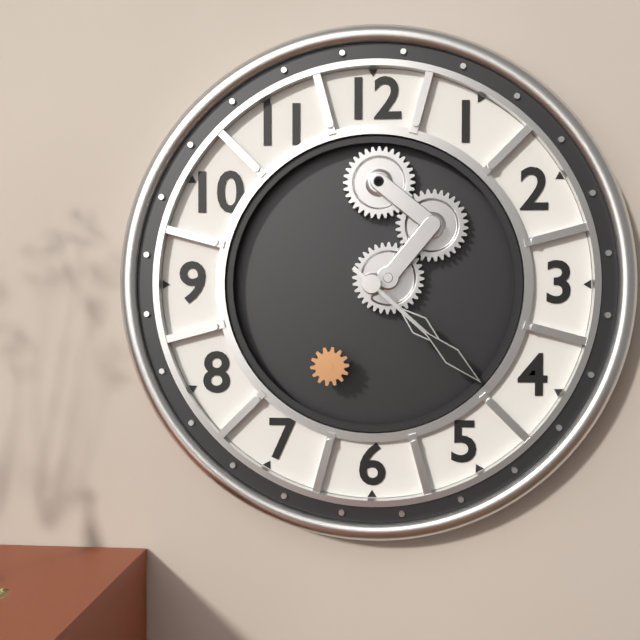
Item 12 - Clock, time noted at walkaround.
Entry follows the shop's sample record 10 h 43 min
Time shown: 4 h 22 min
